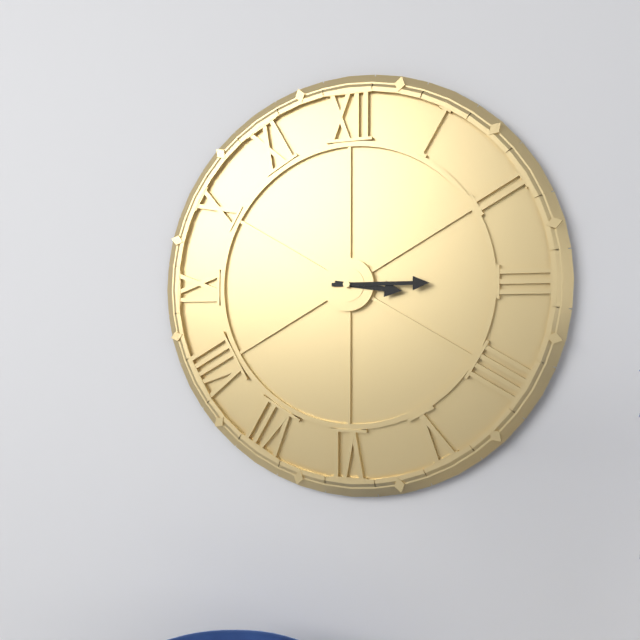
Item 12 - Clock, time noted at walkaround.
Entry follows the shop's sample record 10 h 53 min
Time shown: 3 h 15 min
